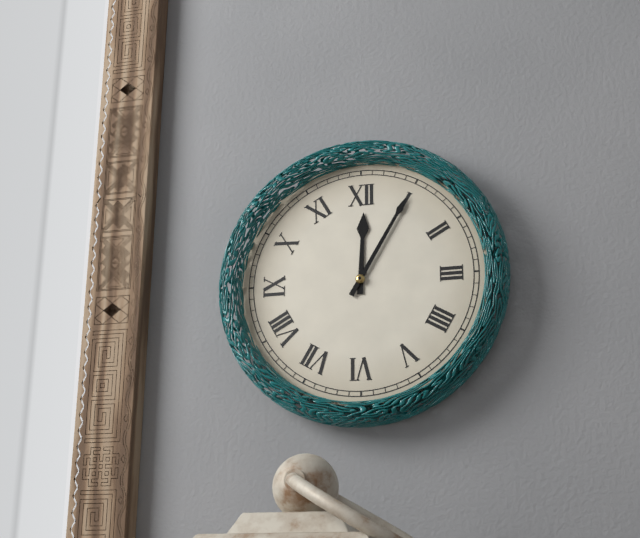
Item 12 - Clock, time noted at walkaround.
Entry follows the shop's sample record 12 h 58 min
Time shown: 12 h 05 min
